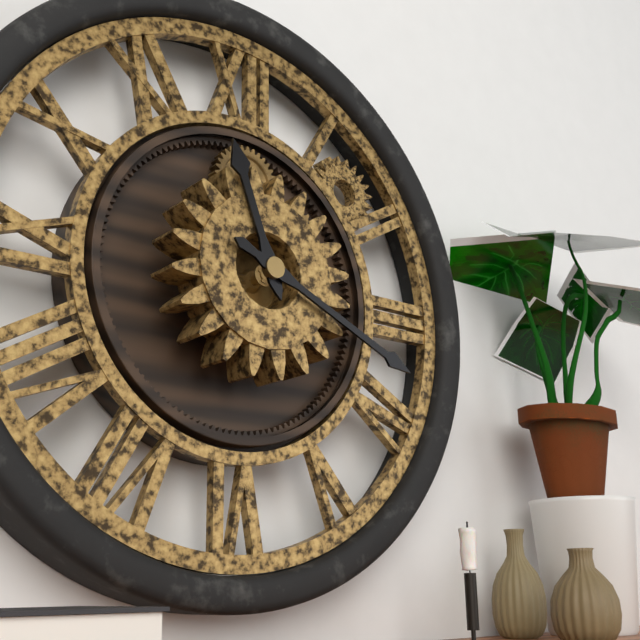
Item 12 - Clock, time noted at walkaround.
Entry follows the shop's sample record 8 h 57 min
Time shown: 11 h 19 min
